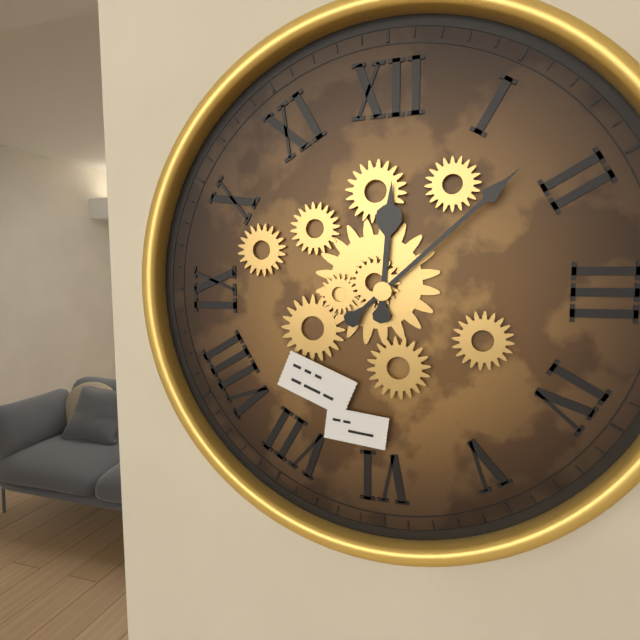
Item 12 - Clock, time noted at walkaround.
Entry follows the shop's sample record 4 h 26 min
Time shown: 12 h 08 min
